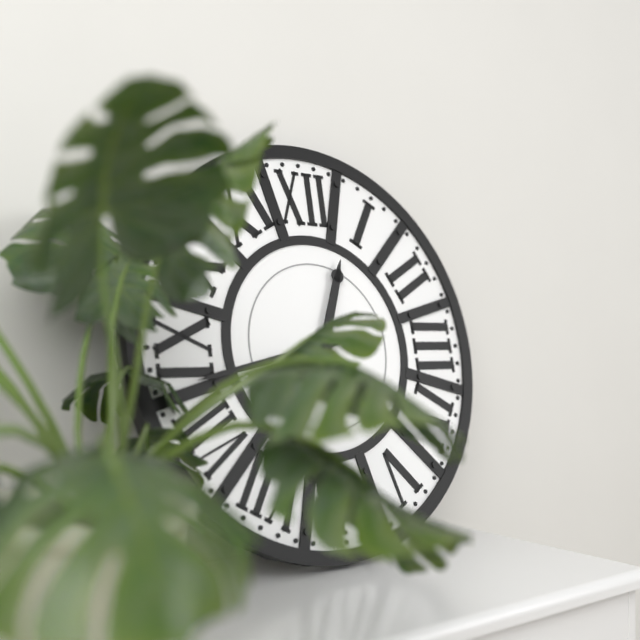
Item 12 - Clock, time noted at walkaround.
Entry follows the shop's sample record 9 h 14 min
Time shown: 12 h 43 min
